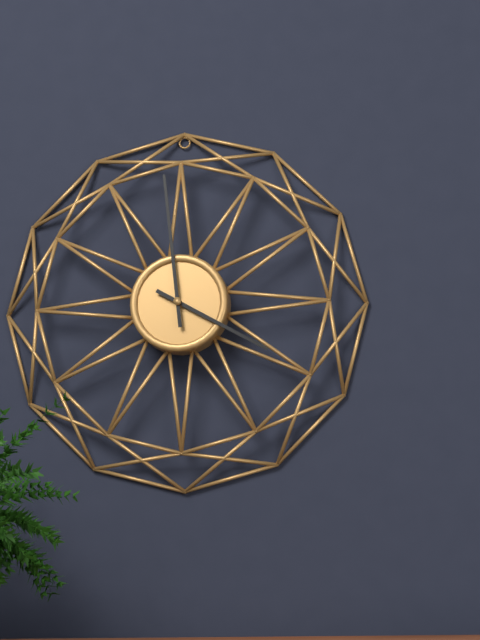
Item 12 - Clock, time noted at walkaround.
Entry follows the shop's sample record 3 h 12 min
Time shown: 3 h 59 min
